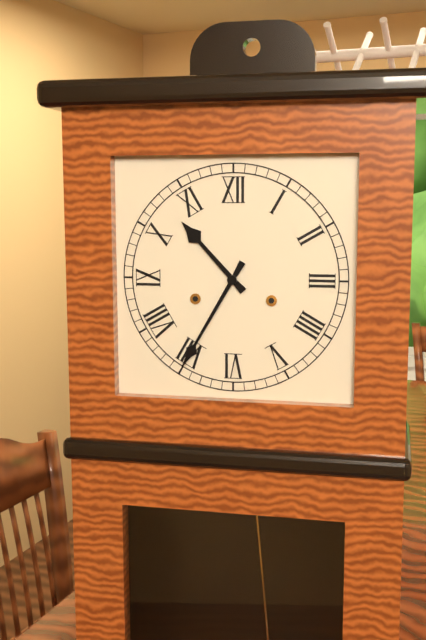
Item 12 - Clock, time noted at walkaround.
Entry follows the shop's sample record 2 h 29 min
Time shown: 10 h 35 min
